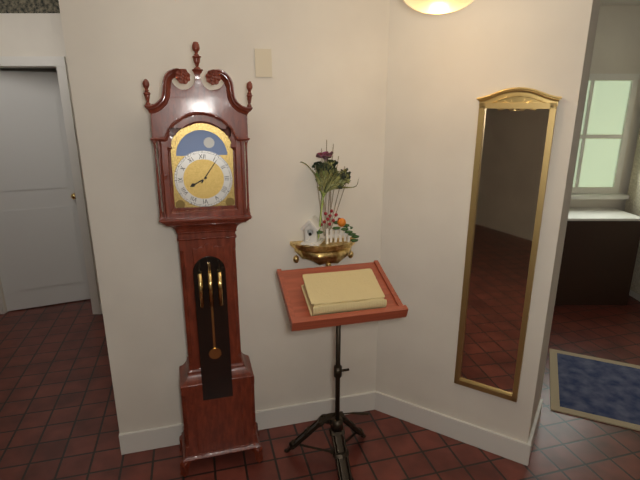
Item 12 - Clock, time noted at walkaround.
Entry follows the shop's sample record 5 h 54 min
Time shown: 8 h 06 min
